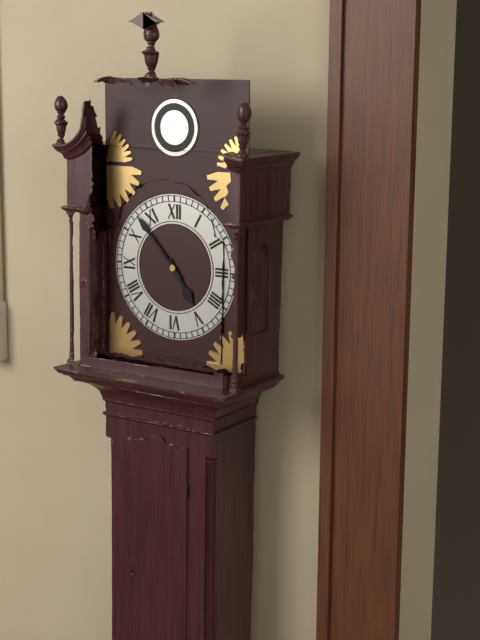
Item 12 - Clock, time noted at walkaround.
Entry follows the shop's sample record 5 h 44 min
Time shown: 4 h 53 min
